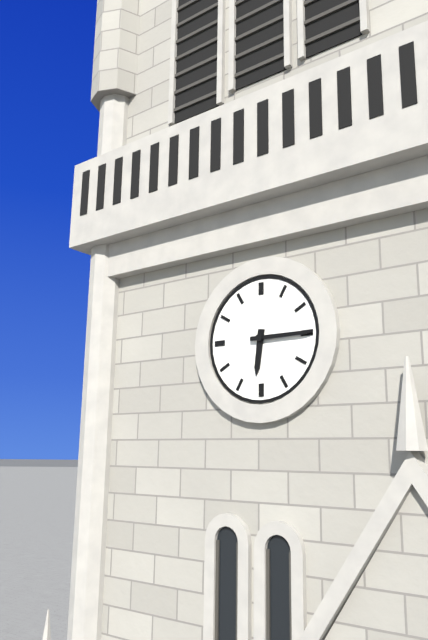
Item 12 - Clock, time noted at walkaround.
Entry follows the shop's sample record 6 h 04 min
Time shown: 6 h 15 min
